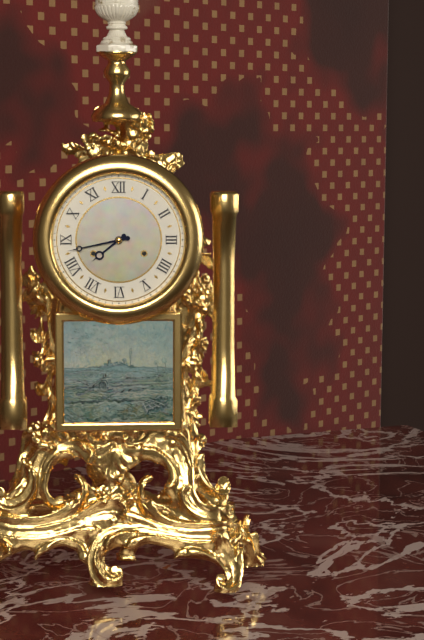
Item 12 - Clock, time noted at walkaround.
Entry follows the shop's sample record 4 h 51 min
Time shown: 7 h 43 min
